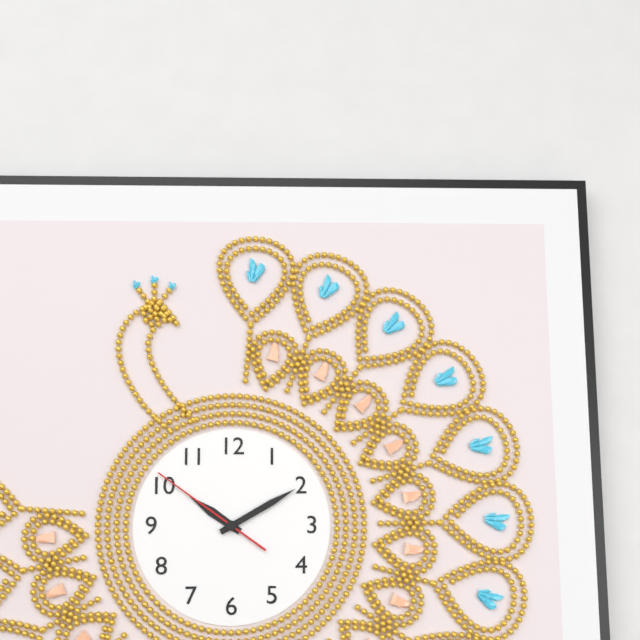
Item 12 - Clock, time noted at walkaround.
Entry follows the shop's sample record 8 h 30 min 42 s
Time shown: 10 h 10 min 51 s
